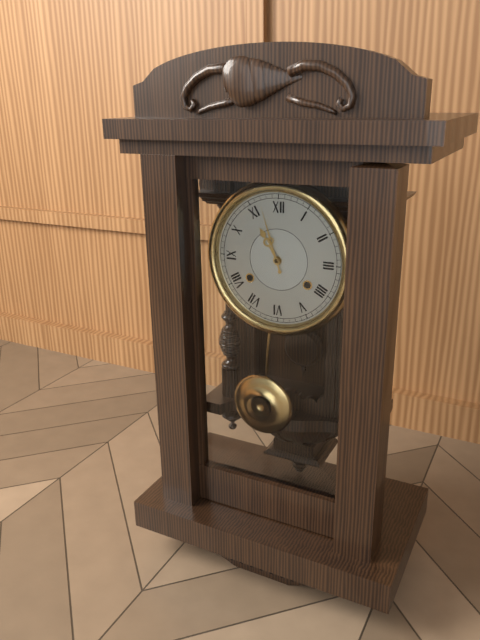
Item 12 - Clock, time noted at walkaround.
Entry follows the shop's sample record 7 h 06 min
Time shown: 10 h 57 min
